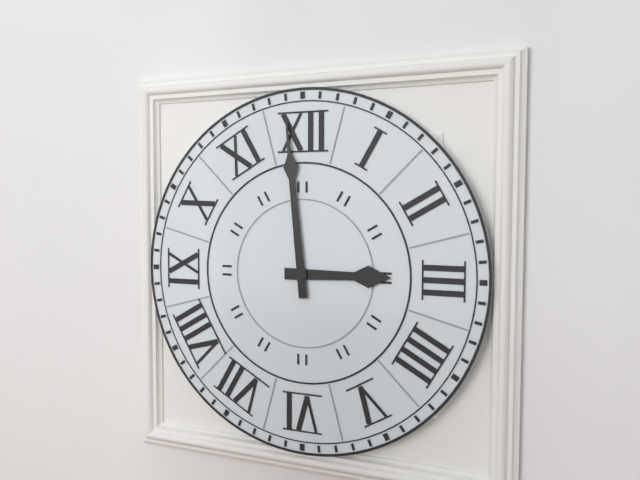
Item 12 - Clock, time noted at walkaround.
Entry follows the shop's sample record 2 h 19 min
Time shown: 2 h 59 min
